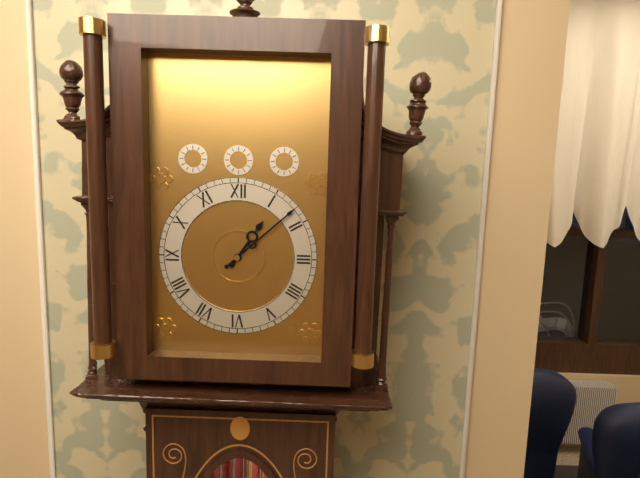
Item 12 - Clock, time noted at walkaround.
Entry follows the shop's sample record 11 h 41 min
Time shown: 1 h 08 min
